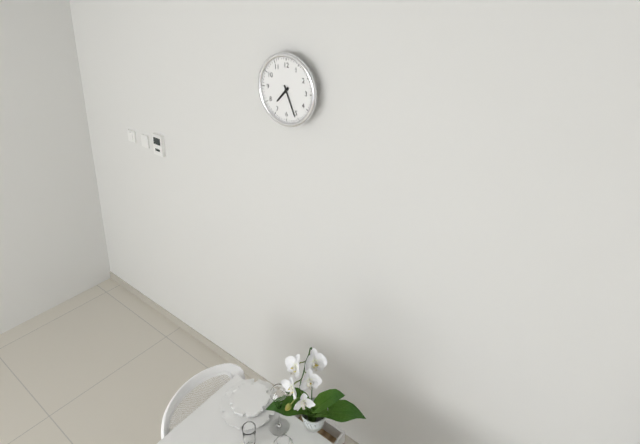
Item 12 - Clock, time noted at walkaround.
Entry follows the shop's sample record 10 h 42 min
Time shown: 7 h 26 min
